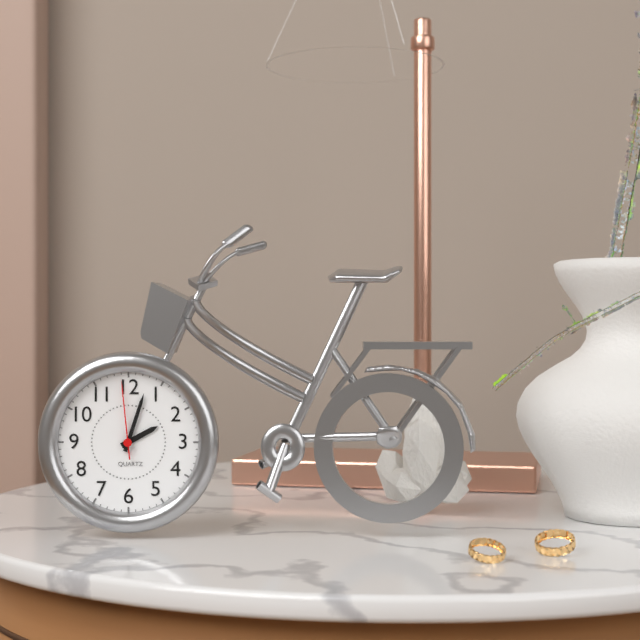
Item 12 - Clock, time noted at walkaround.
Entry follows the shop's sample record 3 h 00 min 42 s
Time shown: 2 h 03 min 59 s
